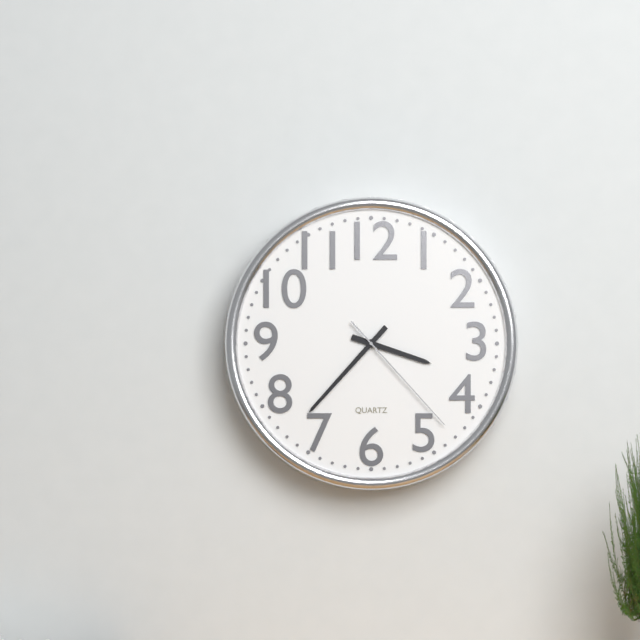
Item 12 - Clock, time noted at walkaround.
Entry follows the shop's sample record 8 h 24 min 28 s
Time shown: 3 h 37 min 23 s
